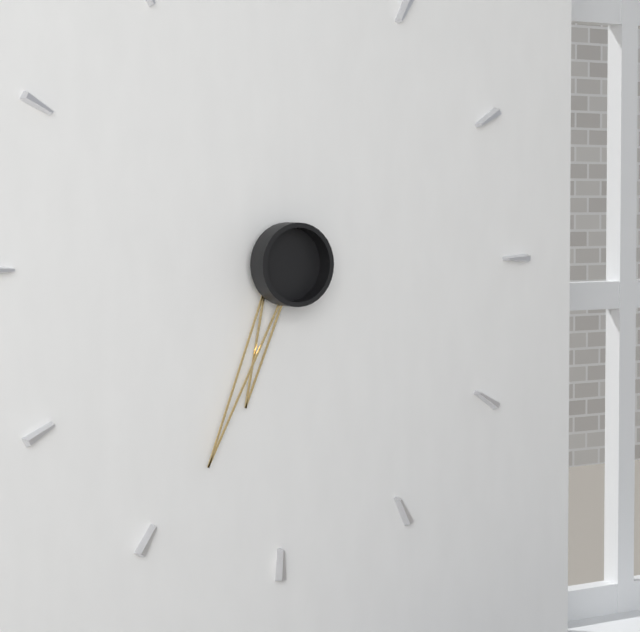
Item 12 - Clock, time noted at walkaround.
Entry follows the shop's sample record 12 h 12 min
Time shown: 6 h 34 min
